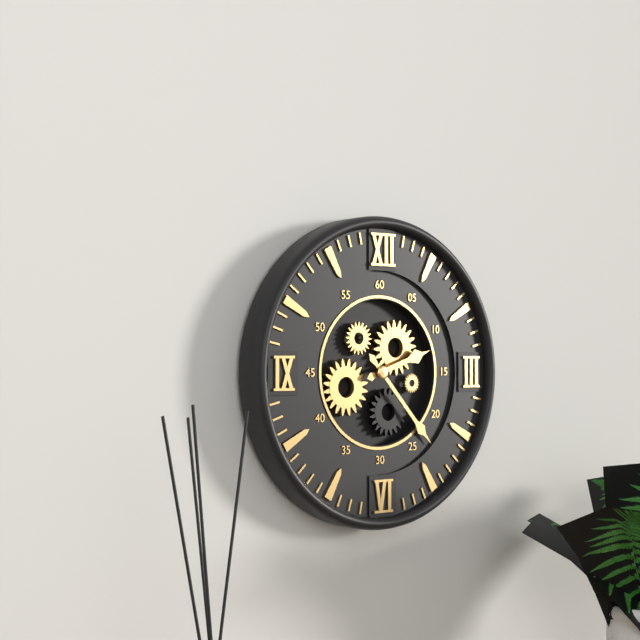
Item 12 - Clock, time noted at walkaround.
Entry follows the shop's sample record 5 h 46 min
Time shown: 2 h 23 min
